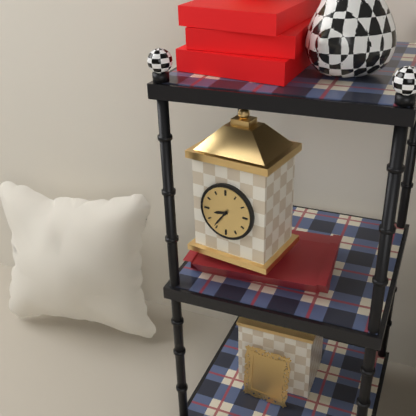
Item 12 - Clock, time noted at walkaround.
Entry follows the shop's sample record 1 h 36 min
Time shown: 8 h 36 min
